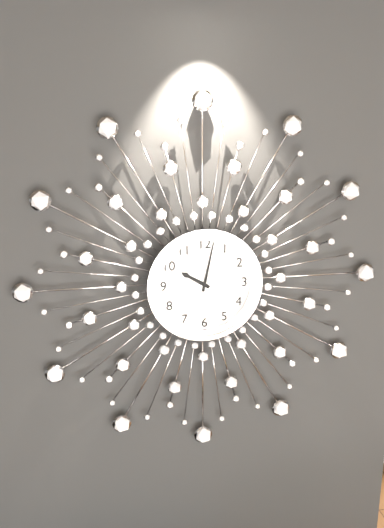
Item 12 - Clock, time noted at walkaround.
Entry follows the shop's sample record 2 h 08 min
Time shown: 10 h 02 min
